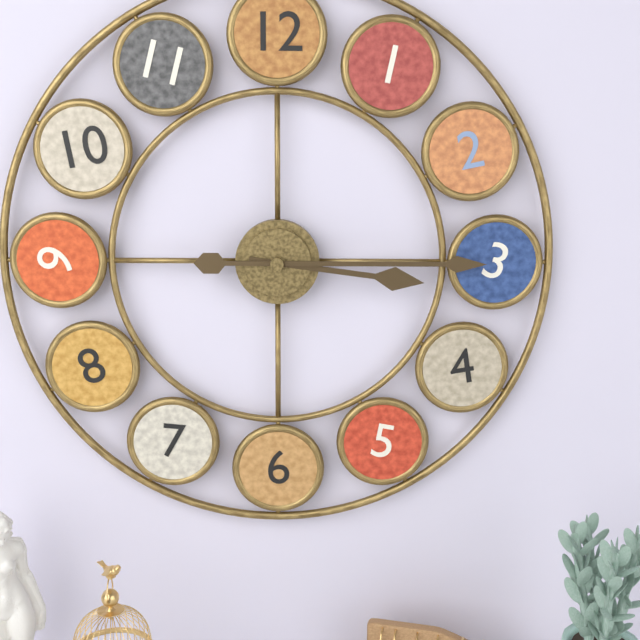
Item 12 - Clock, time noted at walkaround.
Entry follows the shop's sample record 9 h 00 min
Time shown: 3 h 15 min
